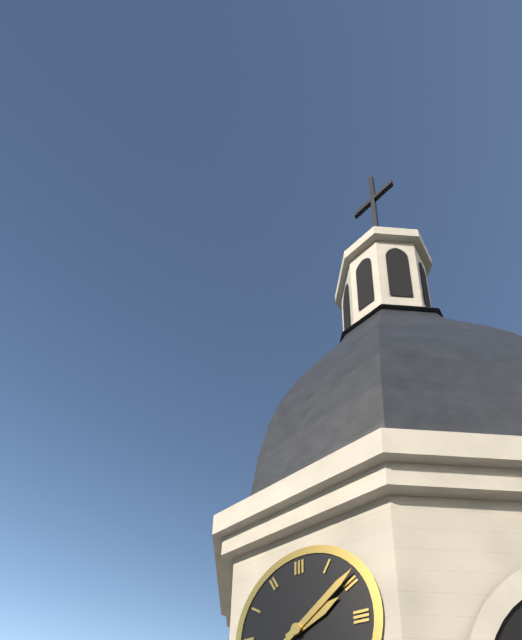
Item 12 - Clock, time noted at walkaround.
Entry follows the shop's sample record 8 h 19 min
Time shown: 2 h 09 min
